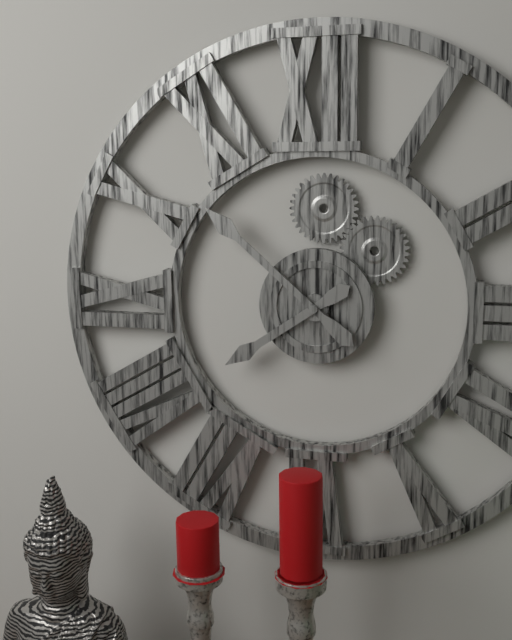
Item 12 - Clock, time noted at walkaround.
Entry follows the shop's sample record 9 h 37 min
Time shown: 7 h 52 min
